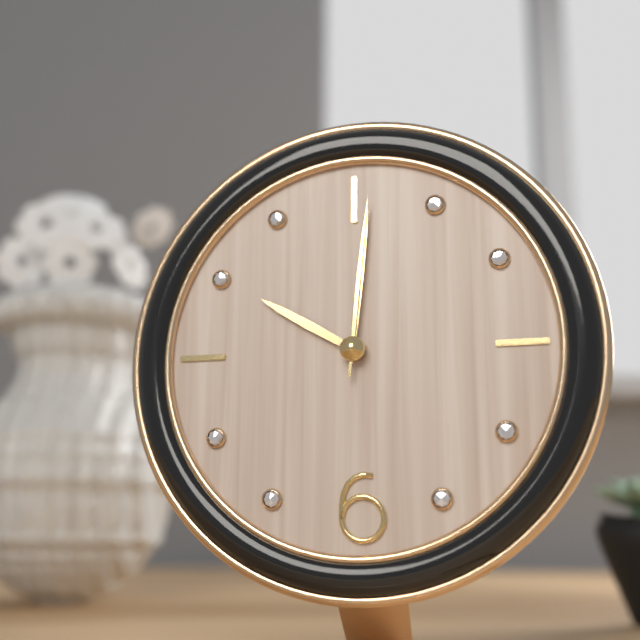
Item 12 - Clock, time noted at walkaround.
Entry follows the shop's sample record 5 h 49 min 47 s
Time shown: 10 h 01 min 01 s
